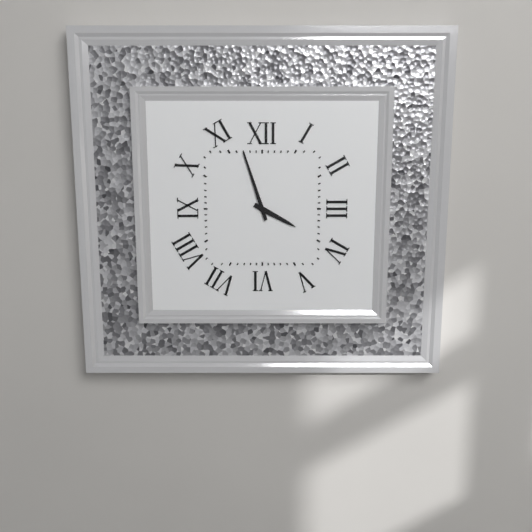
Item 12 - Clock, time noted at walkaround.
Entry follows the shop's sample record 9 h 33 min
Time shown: 3 h 57 min
